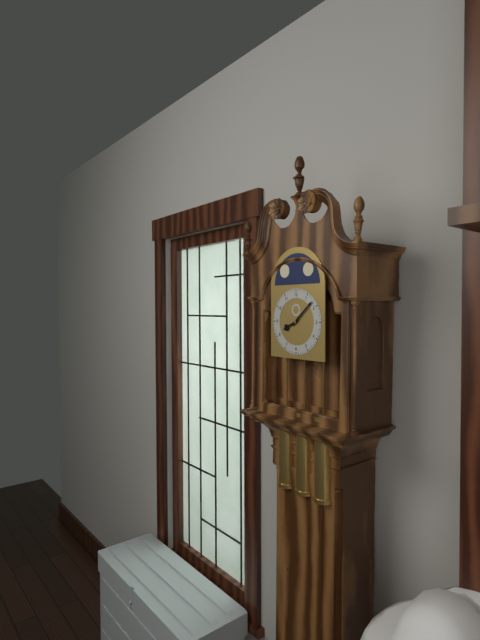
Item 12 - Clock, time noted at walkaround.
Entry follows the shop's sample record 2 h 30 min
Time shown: 8 h 08 min
